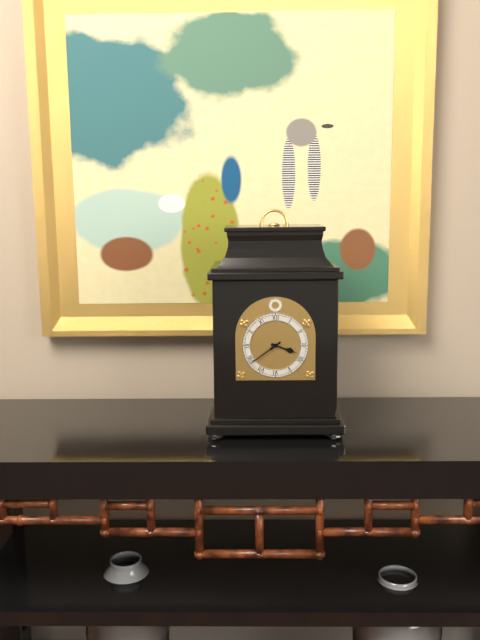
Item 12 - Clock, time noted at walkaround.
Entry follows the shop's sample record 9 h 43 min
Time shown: 3 h 39 min
